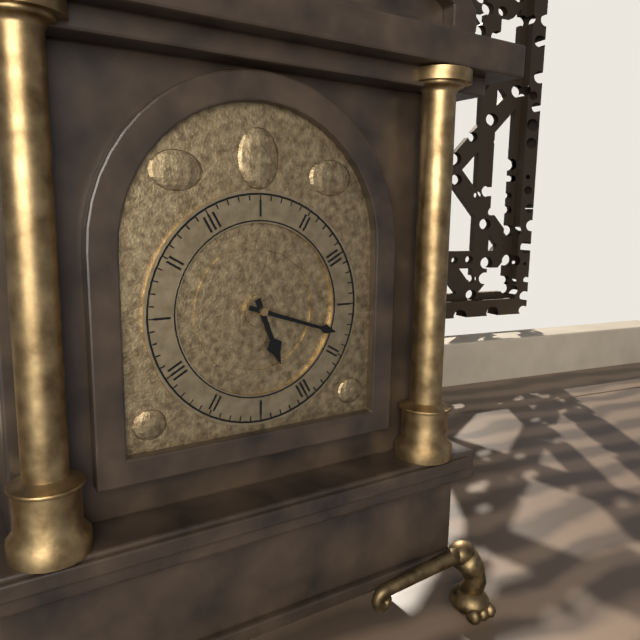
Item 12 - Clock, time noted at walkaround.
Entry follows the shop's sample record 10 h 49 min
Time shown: 5 h 18 min
